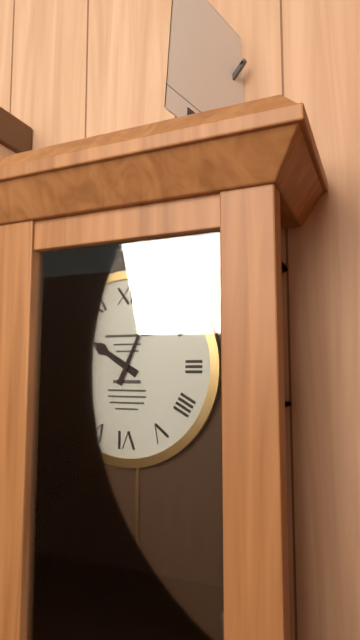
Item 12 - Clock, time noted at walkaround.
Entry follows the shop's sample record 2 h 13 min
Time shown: 10 h 04 min
